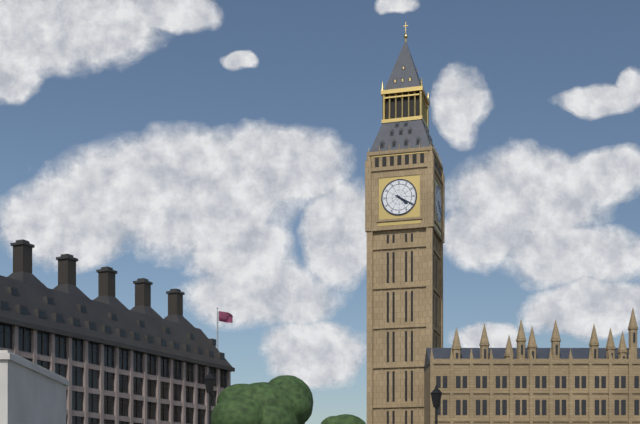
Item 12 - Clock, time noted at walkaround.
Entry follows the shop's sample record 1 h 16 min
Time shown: 4 h 20 min
